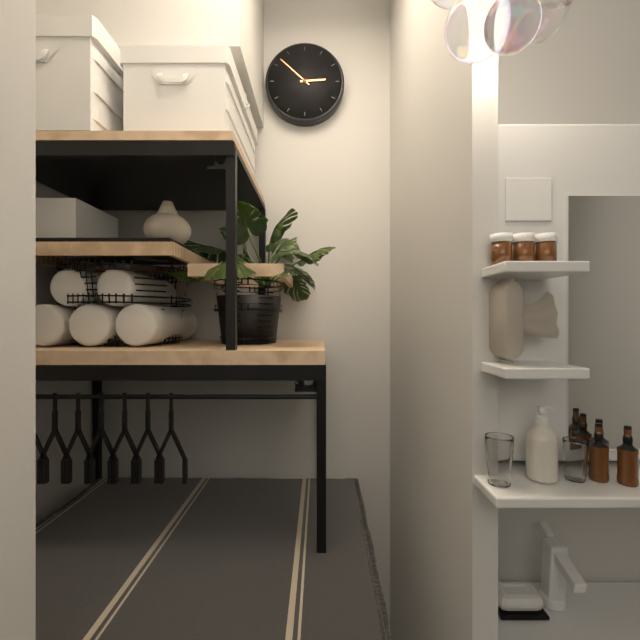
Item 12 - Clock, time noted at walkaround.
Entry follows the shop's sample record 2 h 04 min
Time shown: 2 h 52 min
